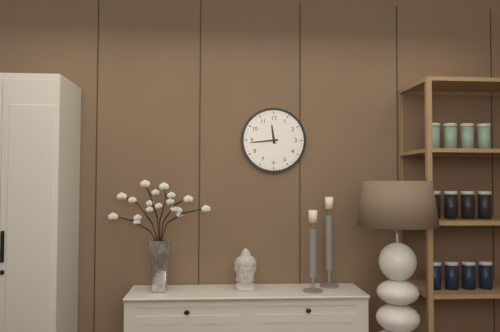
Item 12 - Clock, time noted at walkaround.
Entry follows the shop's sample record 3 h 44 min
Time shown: 11 h 44 min
